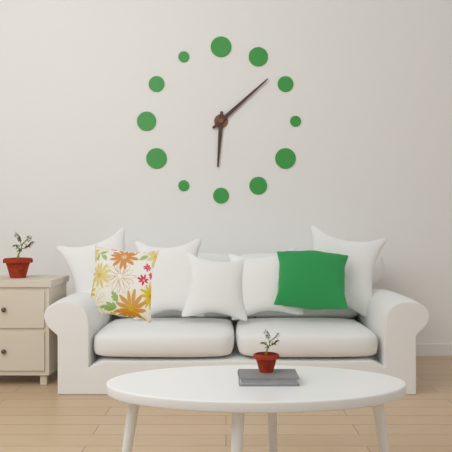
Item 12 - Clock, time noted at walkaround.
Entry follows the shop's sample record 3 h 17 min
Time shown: 6 h 08 min
